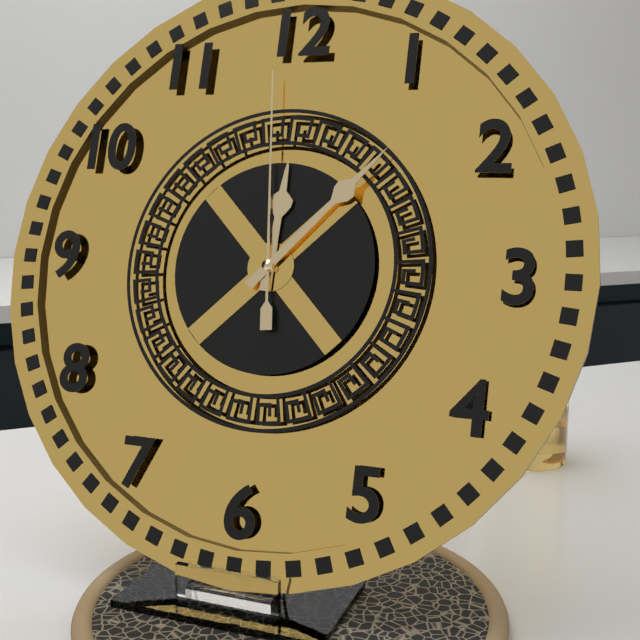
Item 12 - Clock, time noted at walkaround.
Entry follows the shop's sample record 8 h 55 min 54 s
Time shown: 12 h 07 min 59 s
